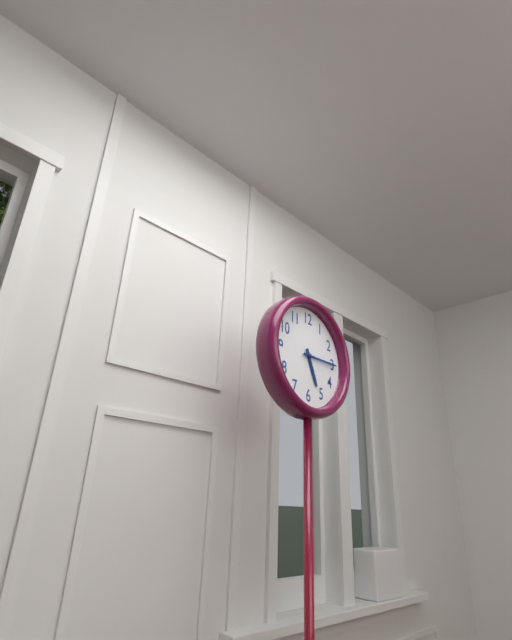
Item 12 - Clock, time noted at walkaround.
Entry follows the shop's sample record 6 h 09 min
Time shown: 5 h 15 min
